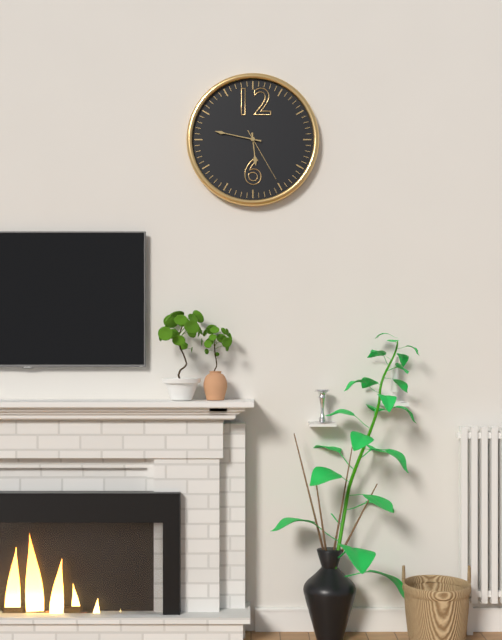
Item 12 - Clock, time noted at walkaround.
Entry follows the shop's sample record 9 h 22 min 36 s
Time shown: 5 h 47 min 25 s
